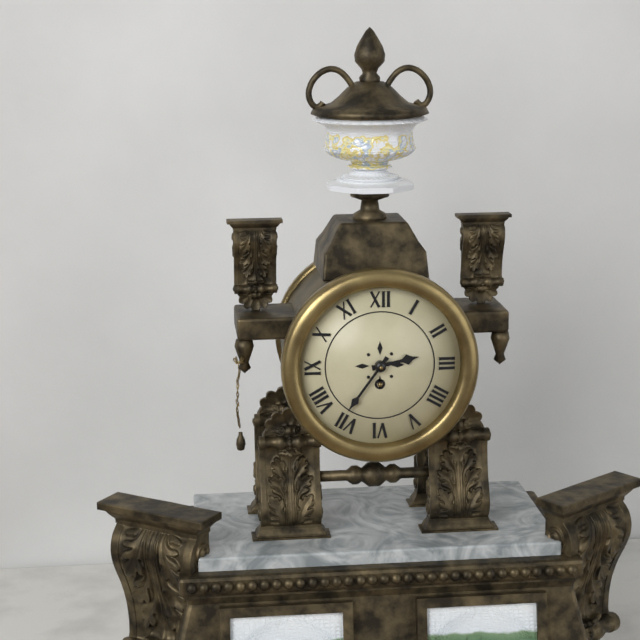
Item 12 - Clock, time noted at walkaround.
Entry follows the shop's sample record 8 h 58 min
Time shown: 2 h 36 min
